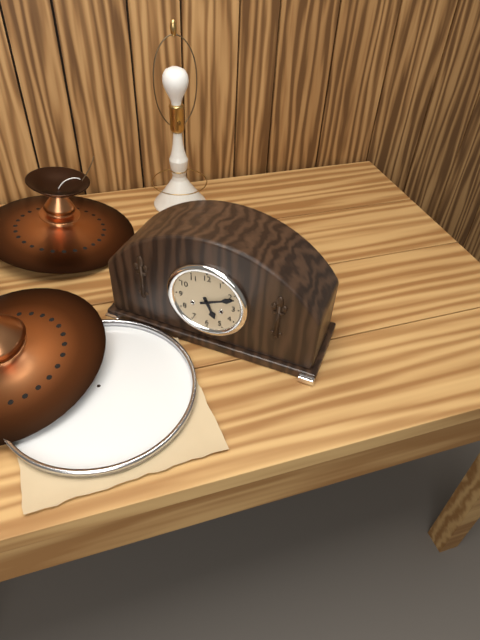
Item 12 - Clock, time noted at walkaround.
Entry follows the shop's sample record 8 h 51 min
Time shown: 5 h 11 min
